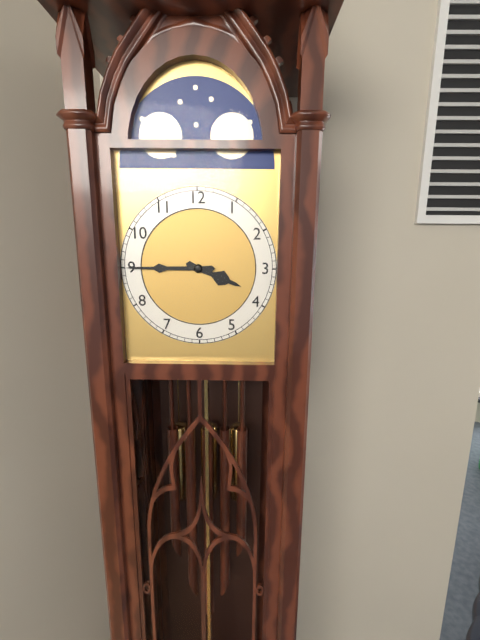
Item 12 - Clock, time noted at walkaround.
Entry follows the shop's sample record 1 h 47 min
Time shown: 3 h 45 min
